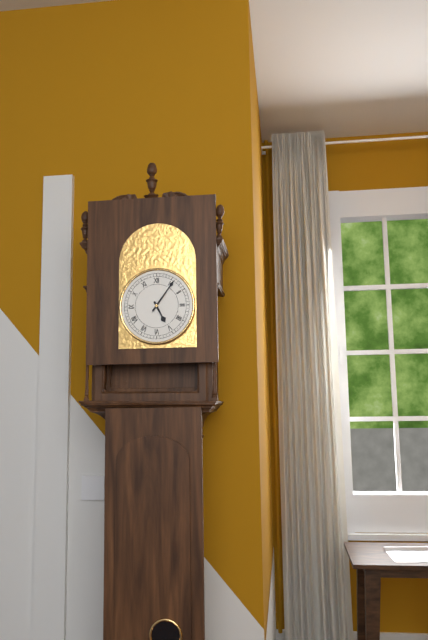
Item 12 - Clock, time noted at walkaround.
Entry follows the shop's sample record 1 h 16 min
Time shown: 5 h 06 min
